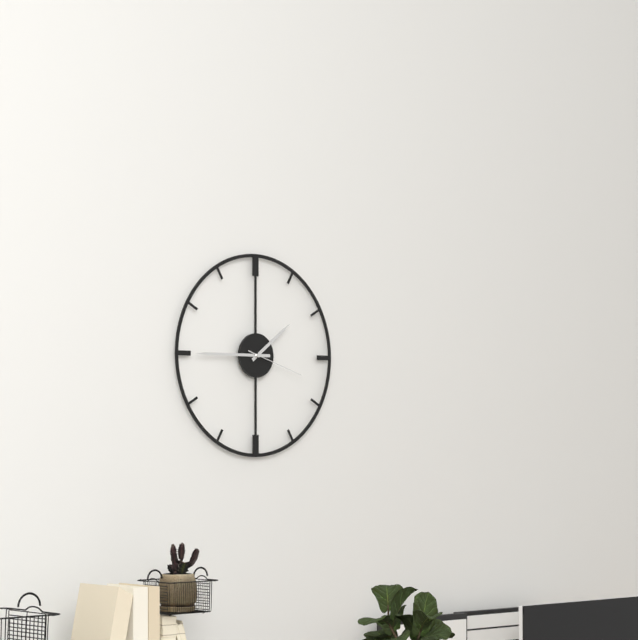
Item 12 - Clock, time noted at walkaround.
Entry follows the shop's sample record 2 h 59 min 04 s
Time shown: 1 h 45 min 18 s
